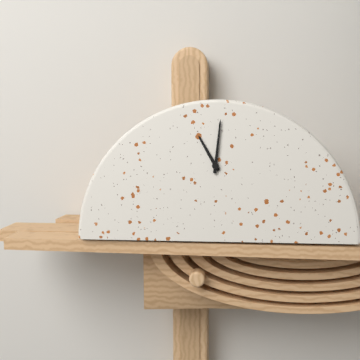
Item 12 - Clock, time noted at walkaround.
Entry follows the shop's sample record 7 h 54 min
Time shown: 11 h 01 min
